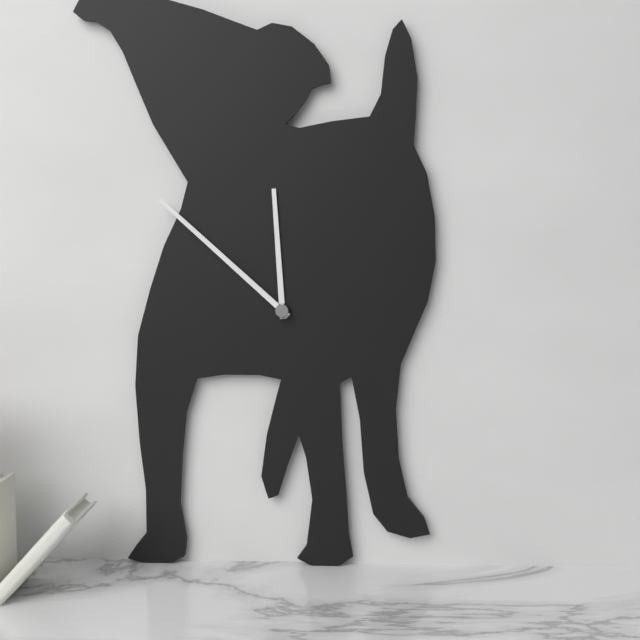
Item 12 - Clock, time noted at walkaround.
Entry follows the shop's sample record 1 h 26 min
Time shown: 11 h 52 min
